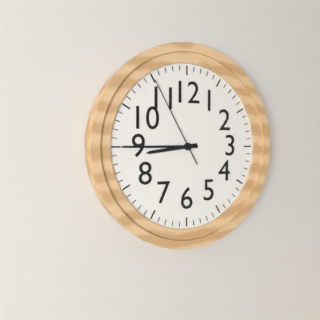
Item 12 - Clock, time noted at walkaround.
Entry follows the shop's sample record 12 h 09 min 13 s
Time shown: 8 h 45 min 55 s
